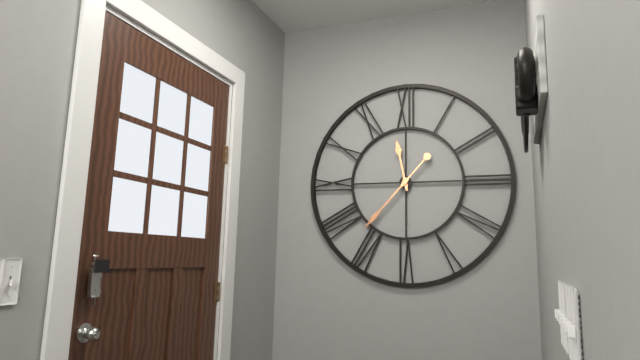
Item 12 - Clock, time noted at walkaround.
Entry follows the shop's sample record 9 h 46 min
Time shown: 11 h 37 min
